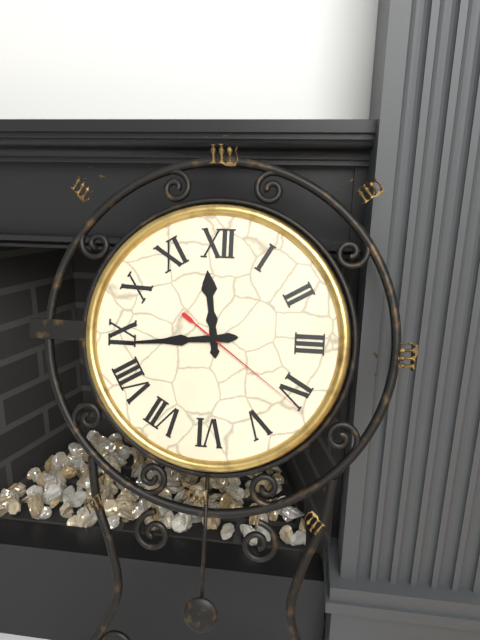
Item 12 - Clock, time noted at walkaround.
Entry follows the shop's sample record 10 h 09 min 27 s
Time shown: 11 h 44 min 21 s
